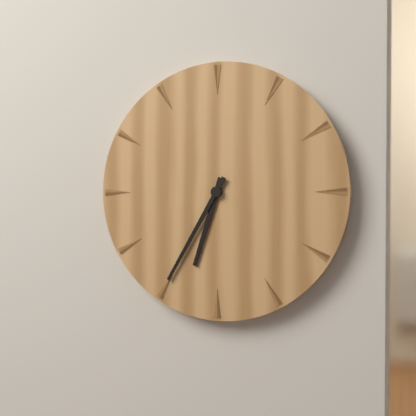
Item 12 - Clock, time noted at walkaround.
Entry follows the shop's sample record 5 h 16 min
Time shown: 6 h 35 min
